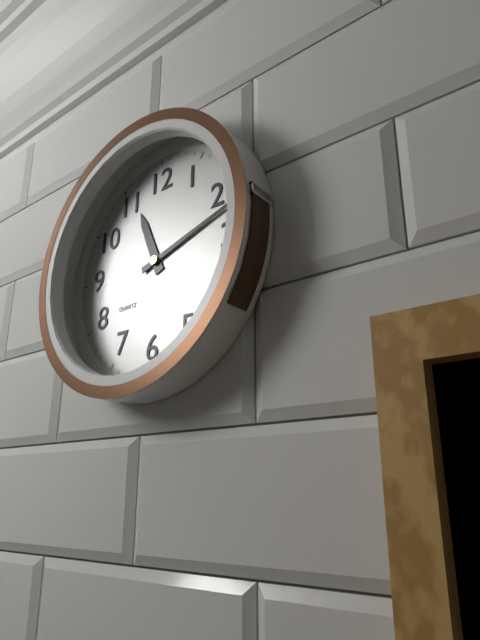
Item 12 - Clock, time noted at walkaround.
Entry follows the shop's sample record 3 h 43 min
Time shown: 11 h 12 min
